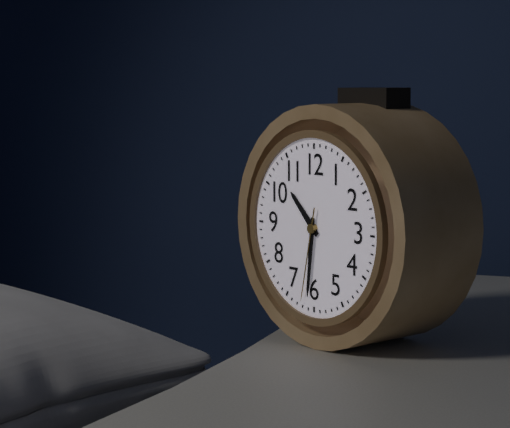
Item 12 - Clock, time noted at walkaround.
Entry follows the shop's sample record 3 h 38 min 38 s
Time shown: 10 h 31 min 32 s
